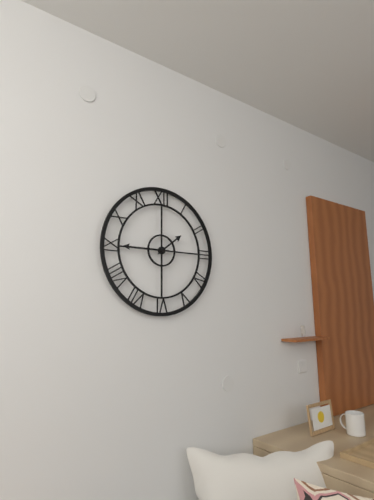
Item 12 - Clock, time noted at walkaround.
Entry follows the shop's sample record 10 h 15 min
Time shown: 1 h 45 min
